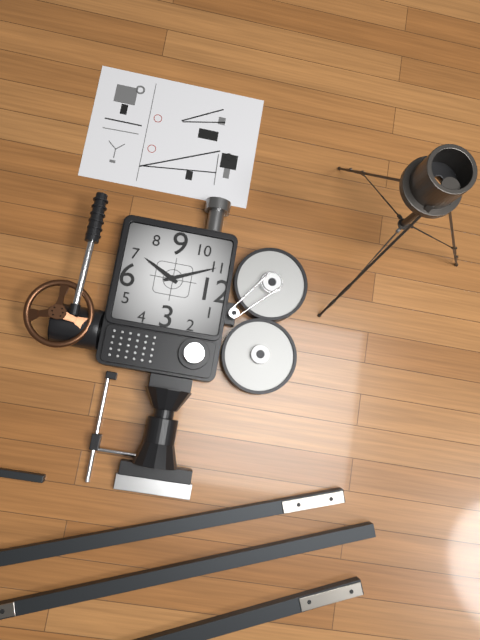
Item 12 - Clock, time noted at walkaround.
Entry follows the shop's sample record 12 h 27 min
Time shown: 6 h 56 min
